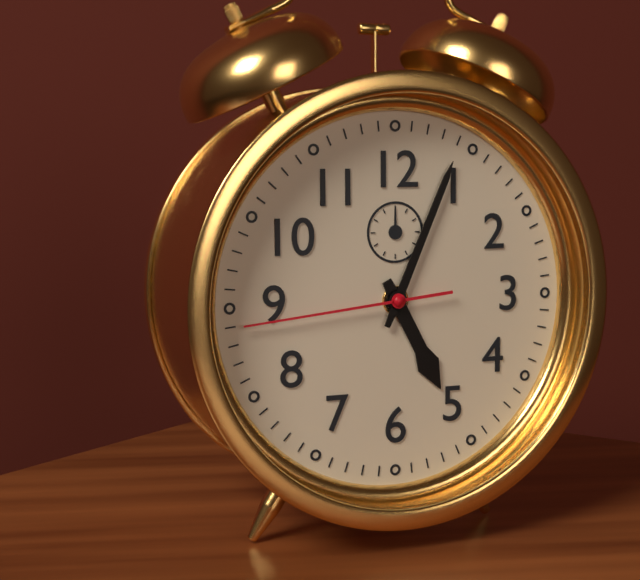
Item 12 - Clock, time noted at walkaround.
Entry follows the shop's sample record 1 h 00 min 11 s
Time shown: 5 h 04 min 44 s
